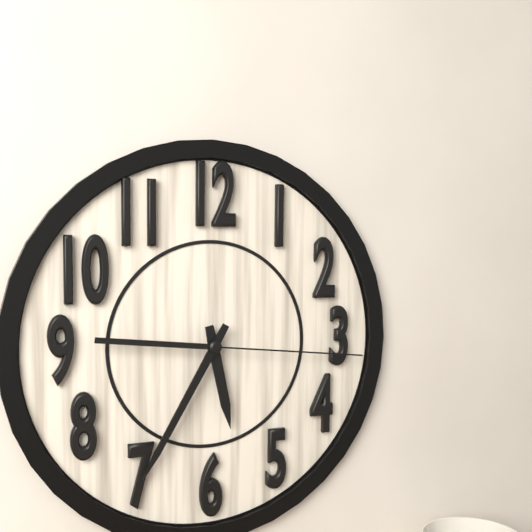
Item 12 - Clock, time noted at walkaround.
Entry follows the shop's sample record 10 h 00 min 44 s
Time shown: 5 h 35 min 16 s
